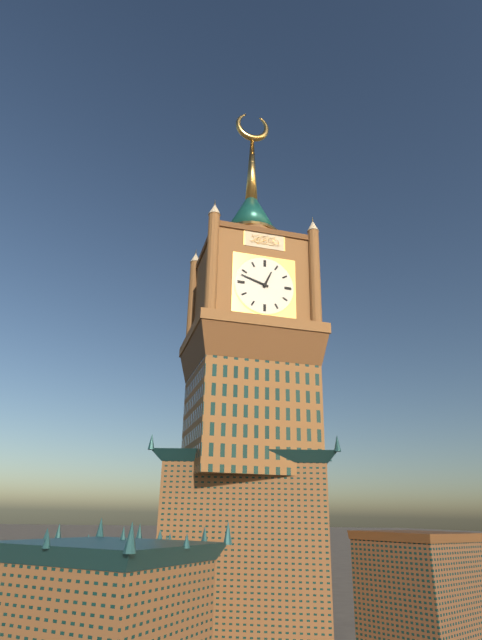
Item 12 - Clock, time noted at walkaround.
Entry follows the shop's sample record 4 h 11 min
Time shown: 12 h 48 min
